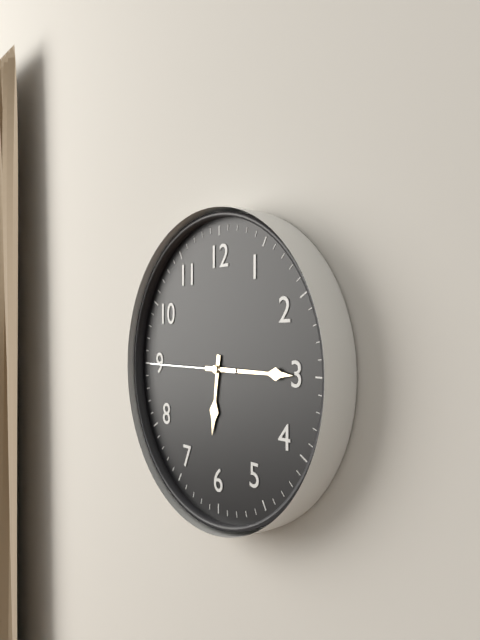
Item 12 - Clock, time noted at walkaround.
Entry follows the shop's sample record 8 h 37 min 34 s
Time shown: 6 h 15 min 45 s
